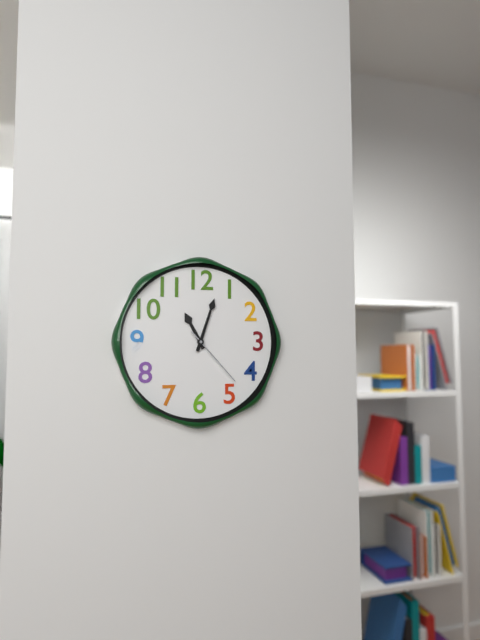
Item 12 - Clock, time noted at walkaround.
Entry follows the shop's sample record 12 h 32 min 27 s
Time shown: 11 h 03 min 23 s
